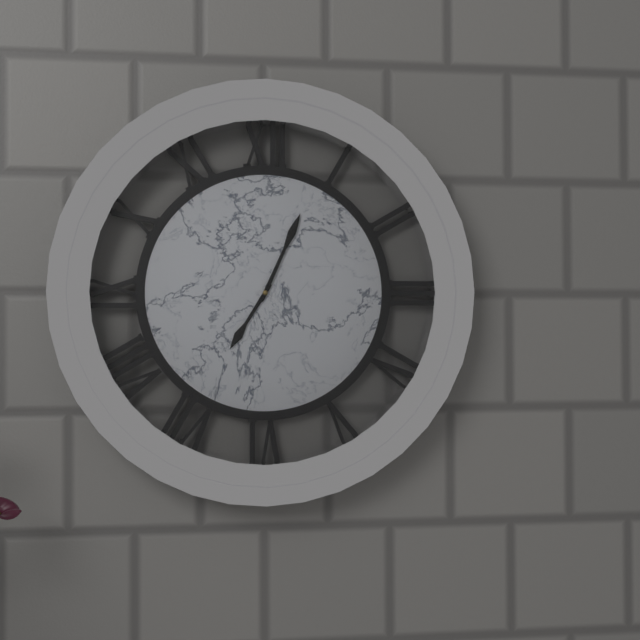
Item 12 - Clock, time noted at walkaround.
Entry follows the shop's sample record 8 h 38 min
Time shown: 7 h 04 min
